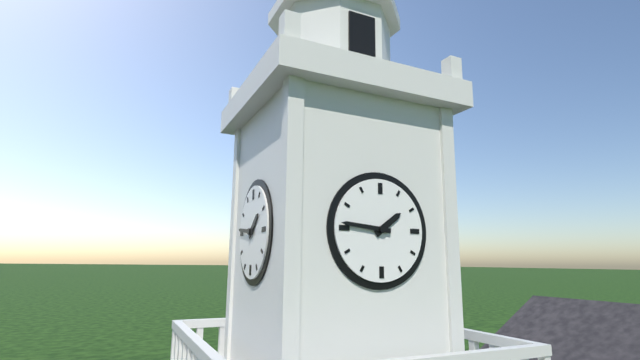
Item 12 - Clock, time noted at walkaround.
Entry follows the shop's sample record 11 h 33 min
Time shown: 1 h 46 min
